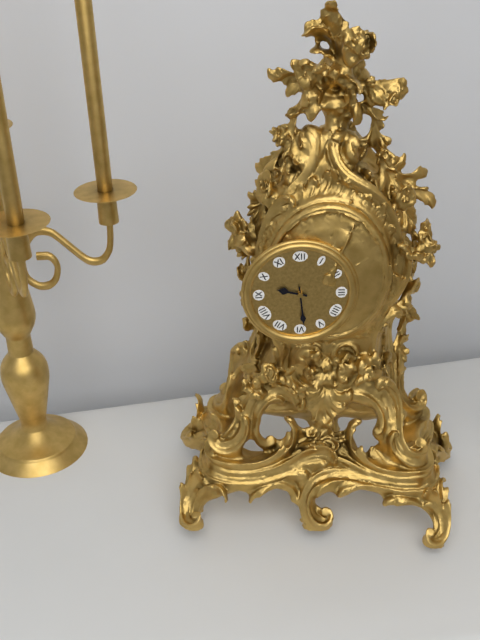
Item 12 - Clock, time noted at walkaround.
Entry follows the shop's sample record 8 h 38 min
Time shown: 9 h 29 min
